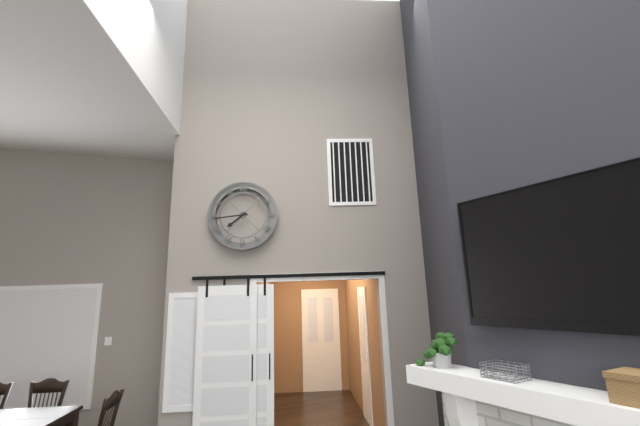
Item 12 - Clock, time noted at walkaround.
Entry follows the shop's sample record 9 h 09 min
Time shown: 7 h 44 min
